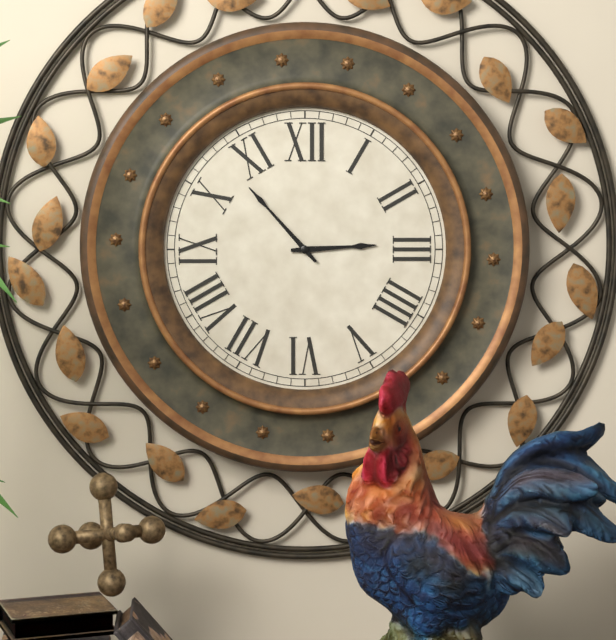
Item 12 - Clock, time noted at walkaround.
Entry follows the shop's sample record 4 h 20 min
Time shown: 2 h 53 min
